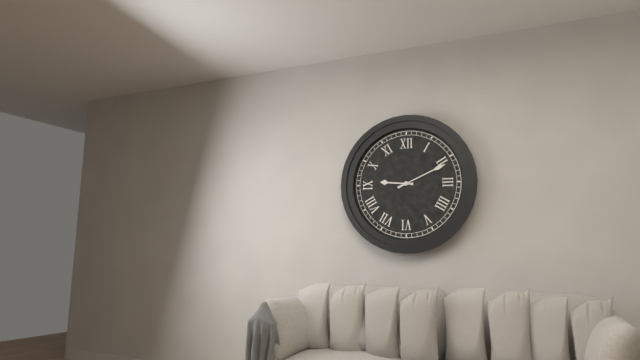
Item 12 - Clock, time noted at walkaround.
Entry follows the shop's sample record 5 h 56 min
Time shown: 9 h 11 min
